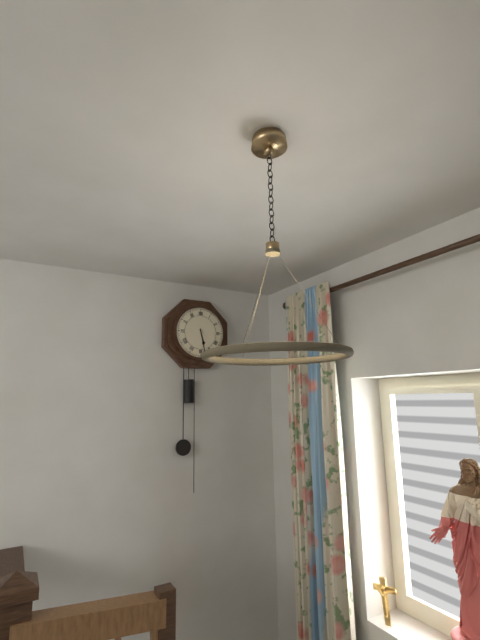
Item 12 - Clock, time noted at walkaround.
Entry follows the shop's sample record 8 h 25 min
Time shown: 5 h 28 min
